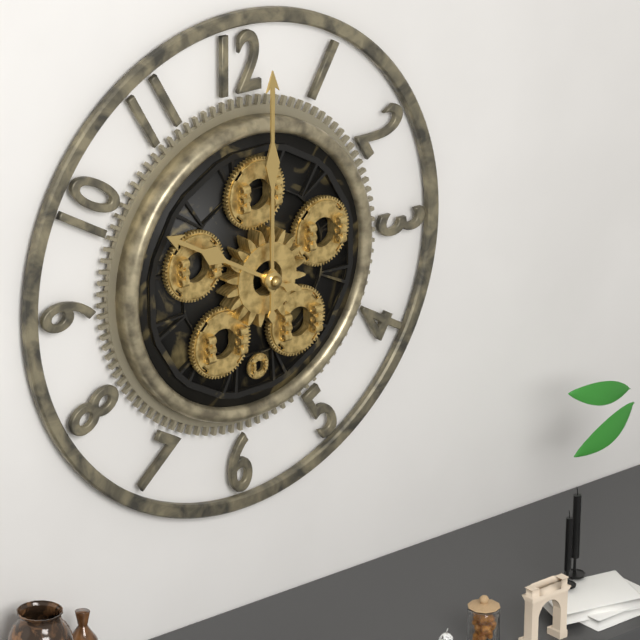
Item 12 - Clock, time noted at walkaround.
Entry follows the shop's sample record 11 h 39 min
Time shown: 10 h 00 min
